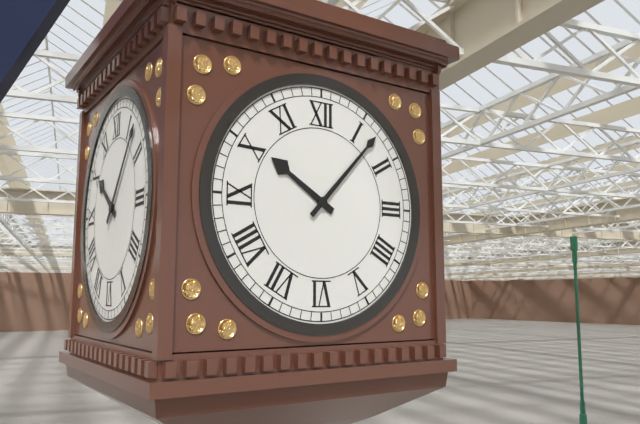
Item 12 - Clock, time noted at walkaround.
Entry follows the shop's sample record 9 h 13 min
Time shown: 10 h 07 min
